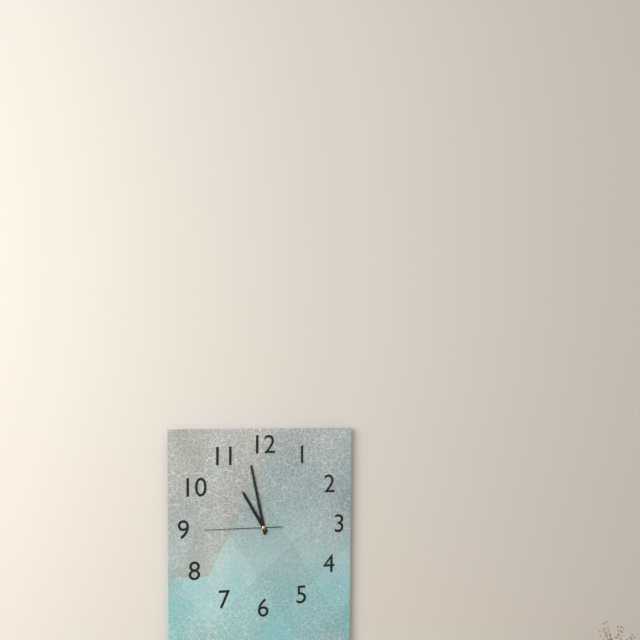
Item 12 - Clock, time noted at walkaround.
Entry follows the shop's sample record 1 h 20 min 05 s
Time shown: 10 h 58 min 45 s
